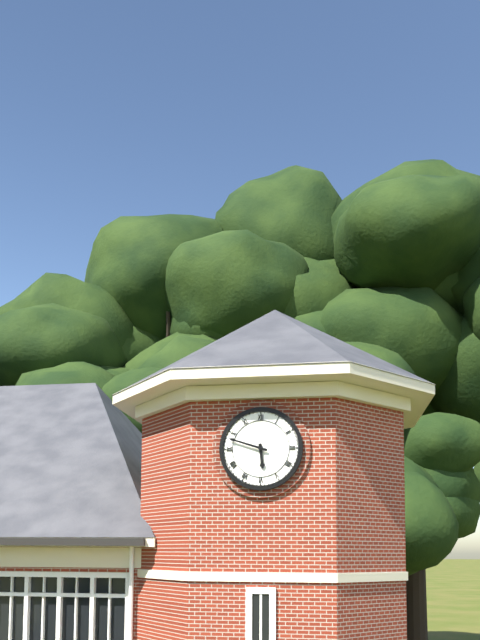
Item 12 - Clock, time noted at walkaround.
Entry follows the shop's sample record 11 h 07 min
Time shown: 5 h 48 min
